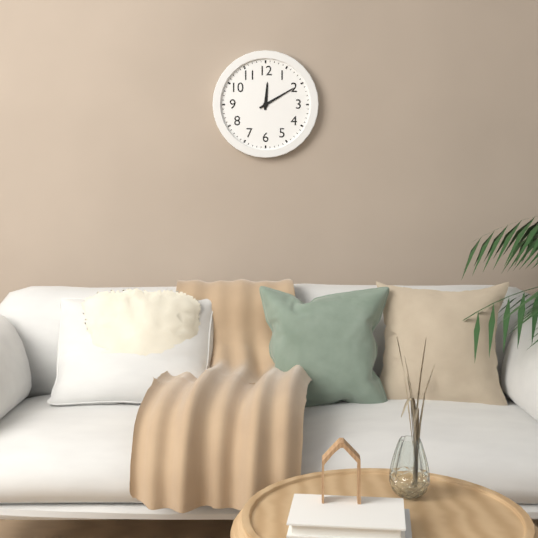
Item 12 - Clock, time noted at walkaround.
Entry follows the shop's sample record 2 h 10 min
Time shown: 12 h 10 min
